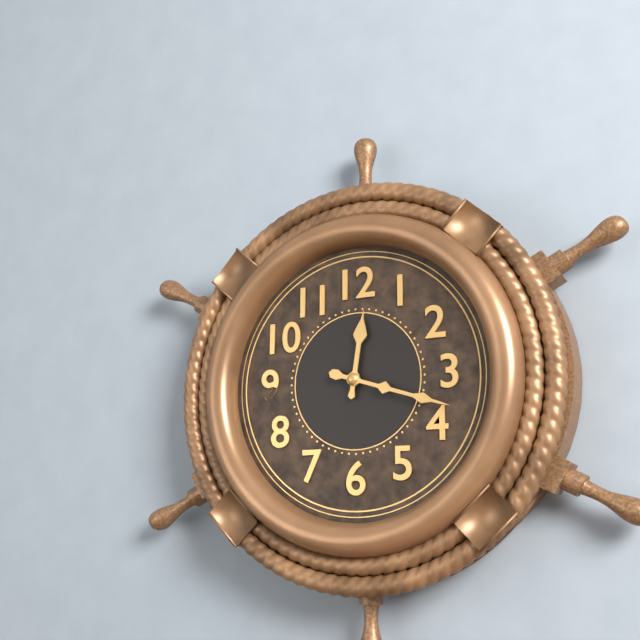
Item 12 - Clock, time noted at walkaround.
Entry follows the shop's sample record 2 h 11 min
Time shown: 12 h 18 min
